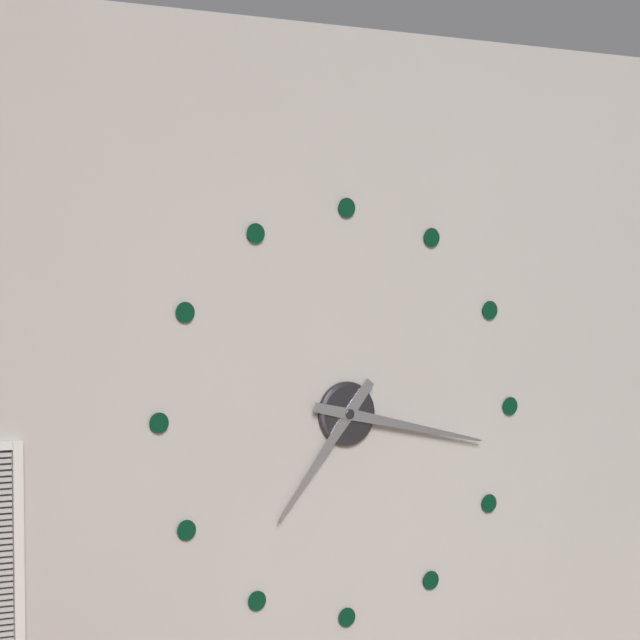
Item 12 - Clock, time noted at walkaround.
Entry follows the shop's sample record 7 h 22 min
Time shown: 7 h 17 min
